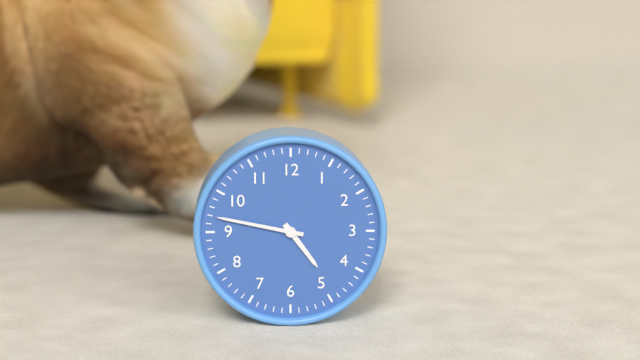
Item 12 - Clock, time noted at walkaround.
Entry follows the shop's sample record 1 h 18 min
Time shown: 4 h 47 min
